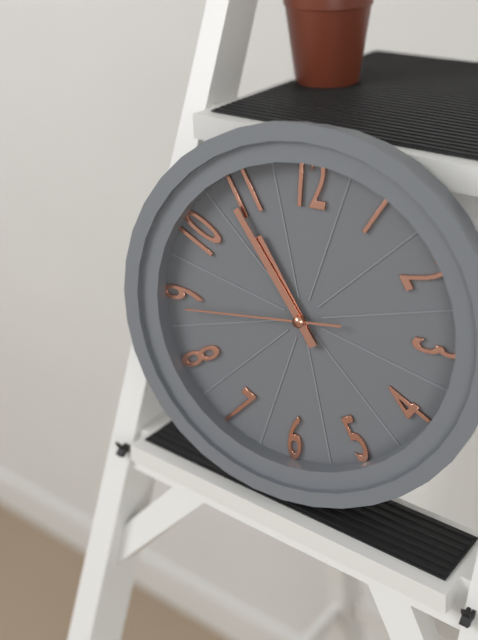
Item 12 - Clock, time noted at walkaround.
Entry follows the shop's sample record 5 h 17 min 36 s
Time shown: 10 h 54 min 44 s
